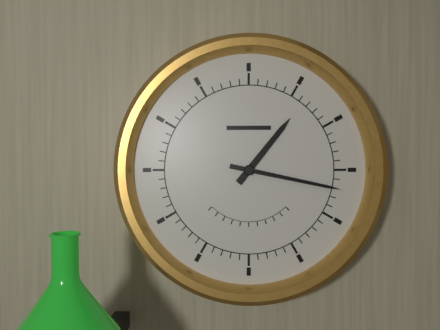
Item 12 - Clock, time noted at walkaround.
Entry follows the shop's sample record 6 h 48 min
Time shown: 1 h 17 min
